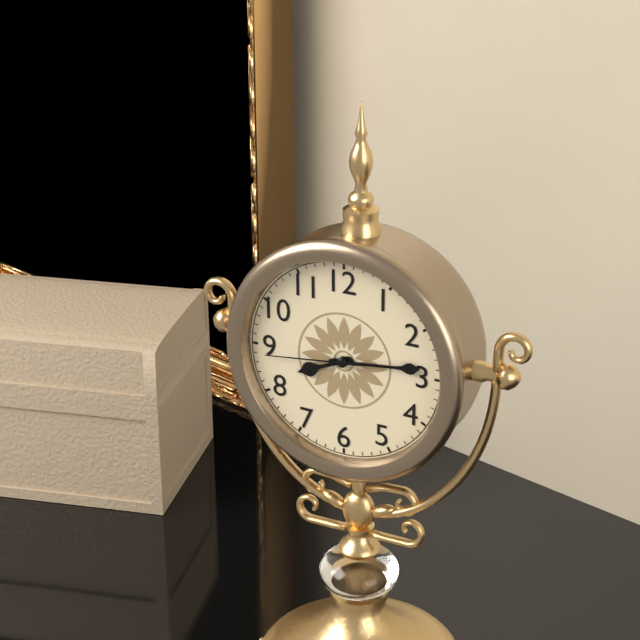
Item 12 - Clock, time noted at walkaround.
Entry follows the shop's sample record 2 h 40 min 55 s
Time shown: 8 h 14 min 44 s
